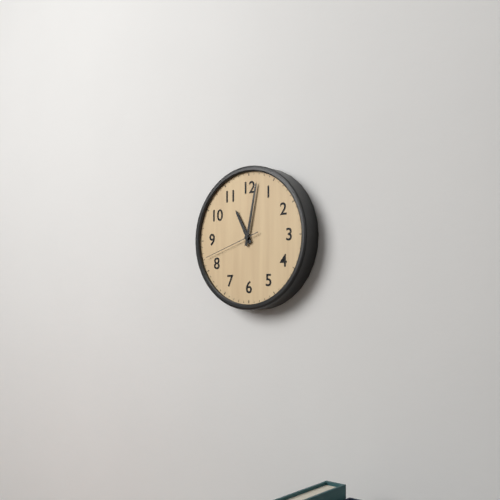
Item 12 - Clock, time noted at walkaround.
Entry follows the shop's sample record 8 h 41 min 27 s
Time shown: 11 h 02 min 42 s
